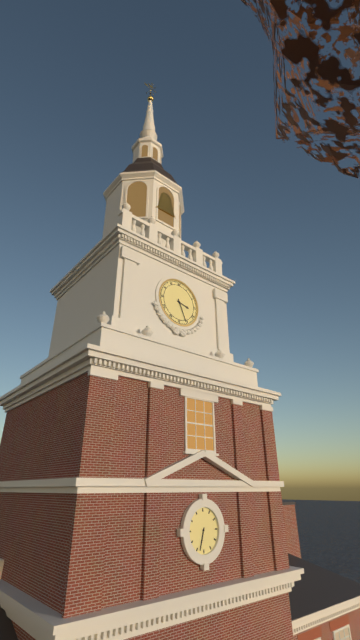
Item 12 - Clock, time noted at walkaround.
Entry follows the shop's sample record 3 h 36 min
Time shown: 3 h 26 min
